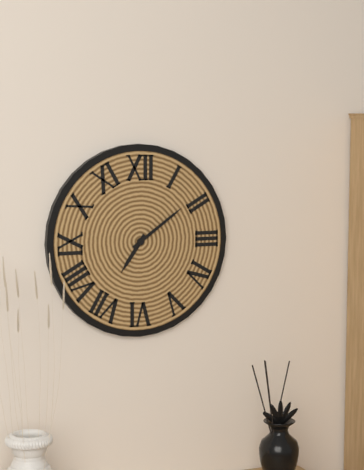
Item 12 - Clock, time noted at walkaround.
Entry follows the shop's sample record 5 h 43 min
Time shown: 7 h 09 min
